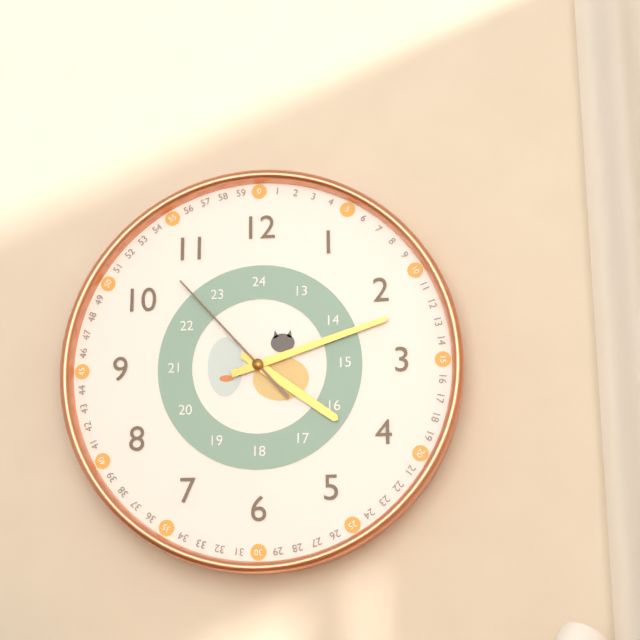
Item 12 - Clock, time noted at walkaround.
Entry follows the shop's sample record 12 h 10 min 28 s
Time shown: 4 h 12 min 53 s
